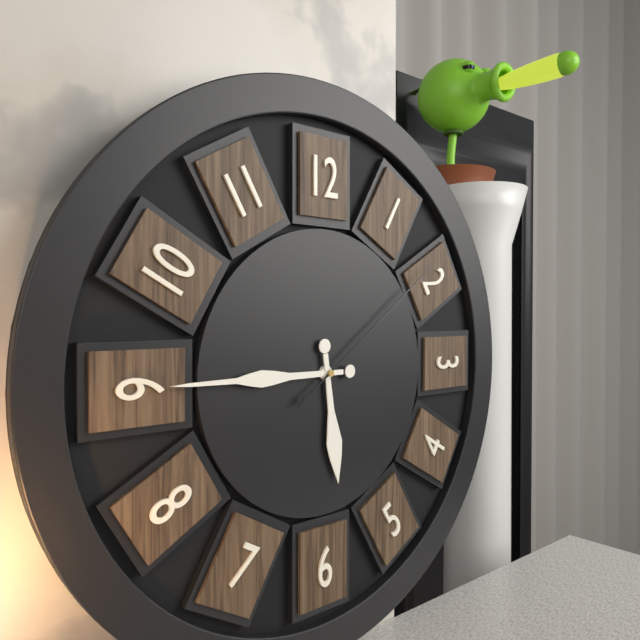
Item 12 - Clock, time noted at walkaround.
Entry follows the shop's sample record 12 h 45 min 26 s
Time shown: 5 h 45 min 09 s
